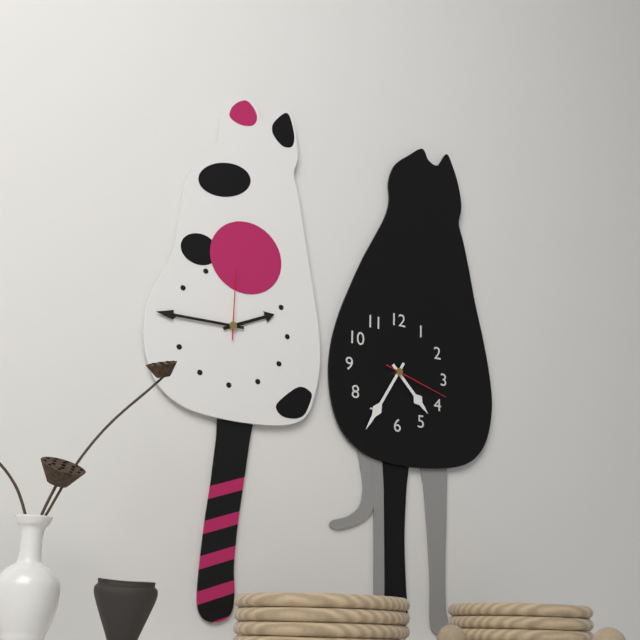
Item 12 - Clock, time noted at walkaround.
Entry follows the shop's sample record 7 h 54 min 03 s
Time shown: 4 h 35 min 18 s
